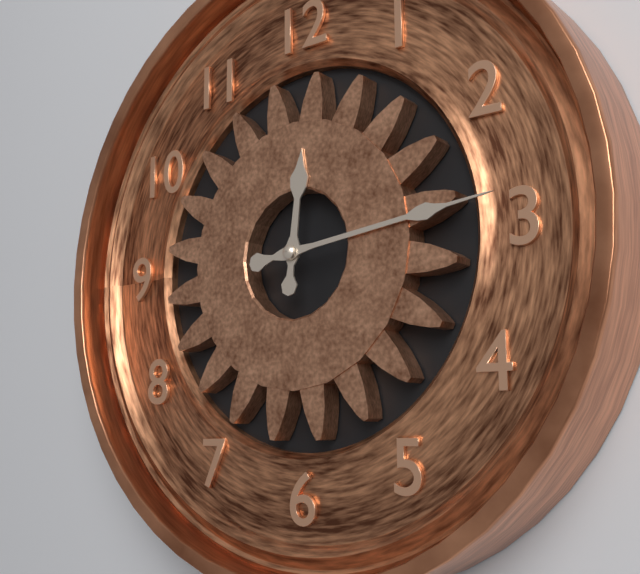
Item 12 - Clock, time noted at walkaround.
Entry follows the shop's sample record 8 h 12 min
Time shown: 12 h 14 min
